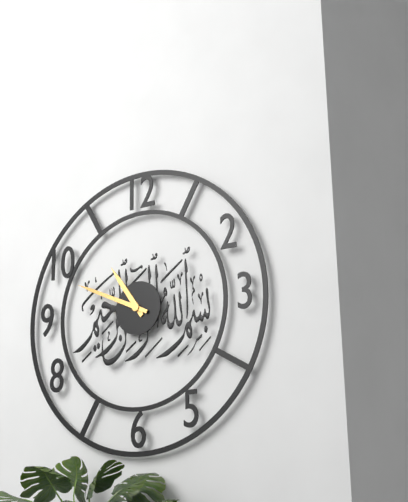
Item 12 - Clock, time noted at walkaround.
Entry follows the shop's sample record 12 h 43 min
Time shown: 10 h 49 min
